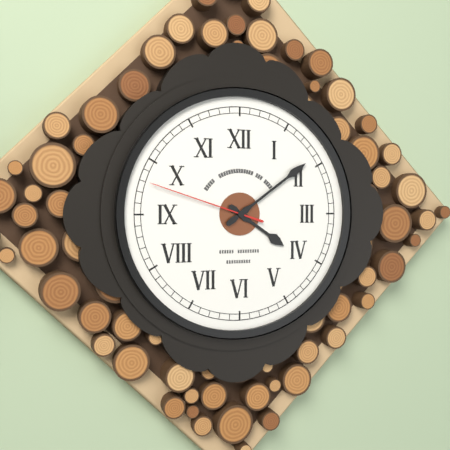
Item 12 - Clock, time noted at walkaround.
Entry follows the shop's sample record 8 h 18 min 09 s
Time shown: 4 h 09 min 48 s
